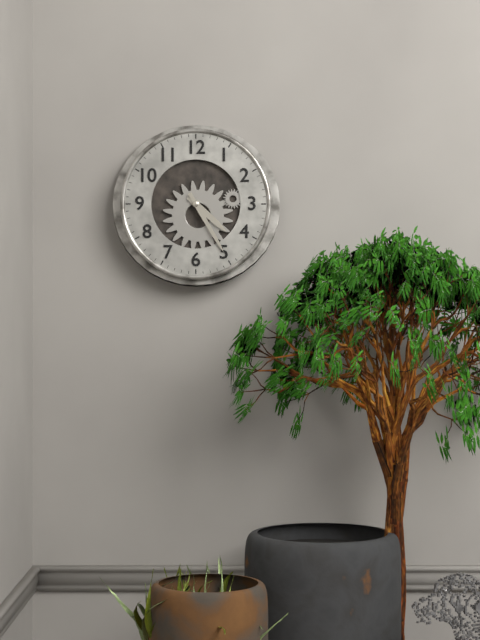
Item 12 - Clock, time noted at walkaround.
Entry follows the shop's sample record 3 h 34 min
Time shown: 4 h 25 min
